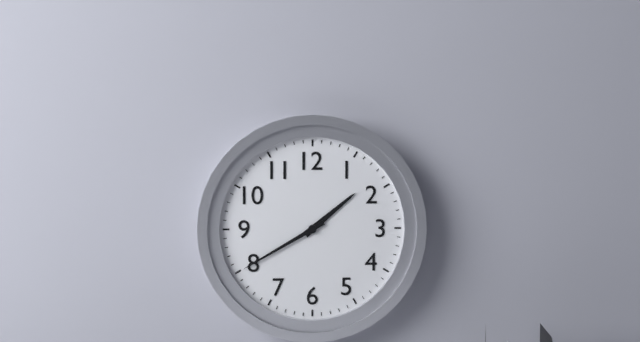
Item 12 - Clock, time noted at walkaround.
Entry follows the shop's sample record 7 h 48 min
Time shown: 1 h 40 min
